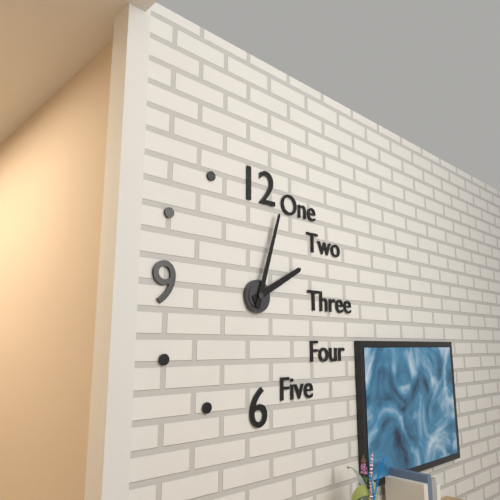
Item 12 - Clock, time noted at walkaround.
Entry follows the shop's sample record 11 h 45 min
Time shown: 2 h 03 min
